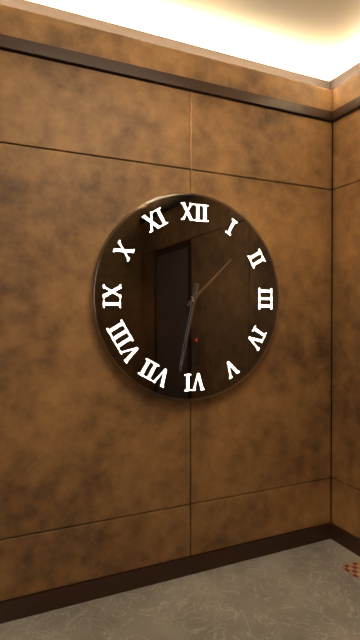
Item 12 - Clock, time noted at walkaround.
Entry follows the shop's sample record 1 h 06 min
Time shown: 1 h 32 min
